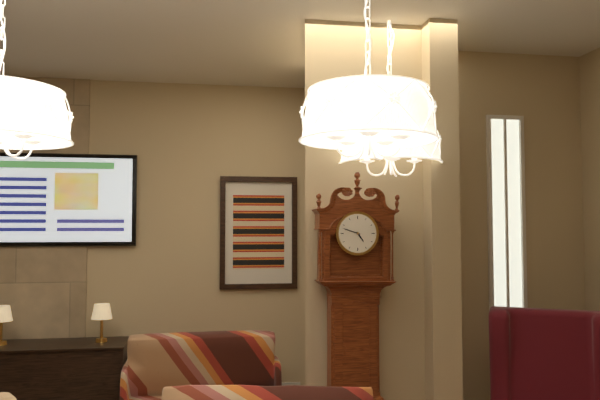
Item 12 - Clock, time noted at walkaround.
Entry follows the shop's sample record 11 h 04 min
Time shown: 4 h 48 min
